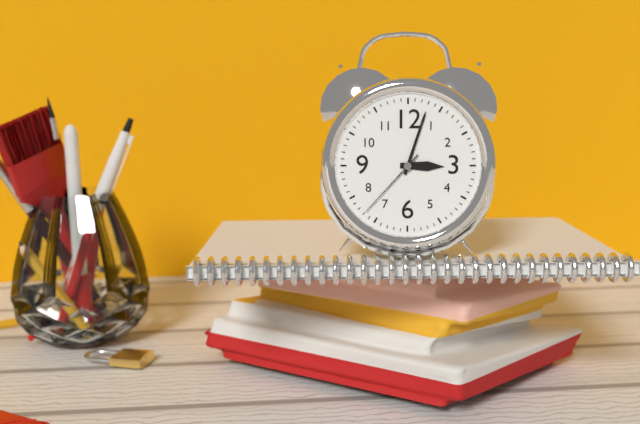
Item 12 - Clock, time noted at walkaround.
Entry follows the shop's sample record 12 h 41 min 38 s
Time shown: 3 h 03 min 37 s
